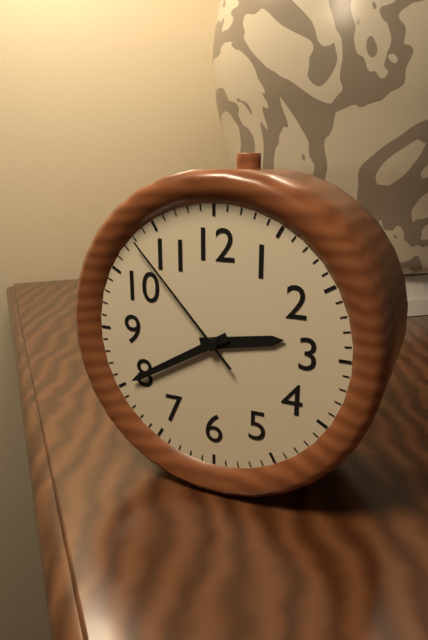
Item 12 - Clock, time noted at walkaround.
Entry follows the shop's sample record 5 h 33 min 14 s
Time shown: 2 h 40 min 53 s
